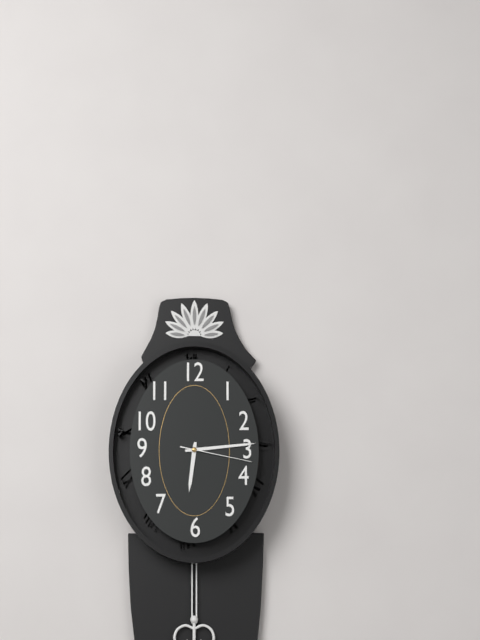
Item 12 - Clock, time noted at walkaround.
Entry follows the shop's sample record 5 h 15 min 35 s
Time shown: 6 h 14 min 17 s
